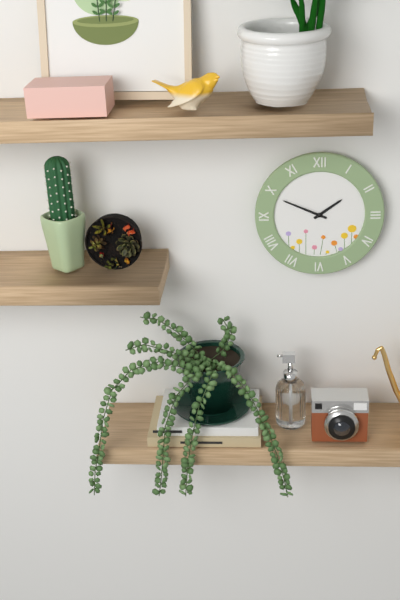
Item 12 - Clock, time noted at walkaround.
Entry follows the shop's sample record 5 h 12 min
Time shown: 1 h 49 min
